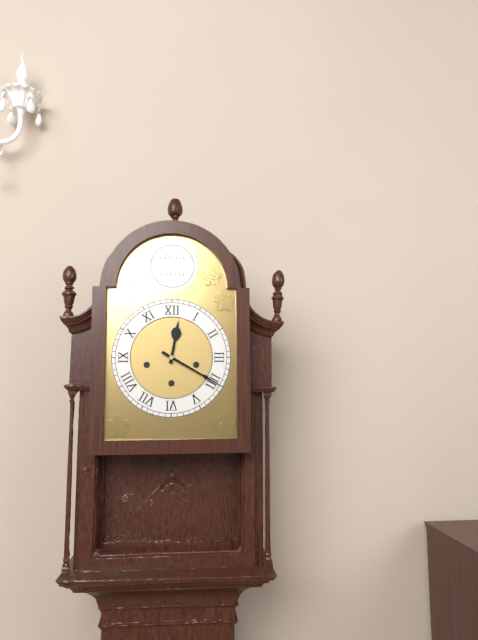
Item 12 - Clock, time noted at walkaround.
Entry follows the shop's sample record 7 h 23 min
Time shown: 12 h 20 min
